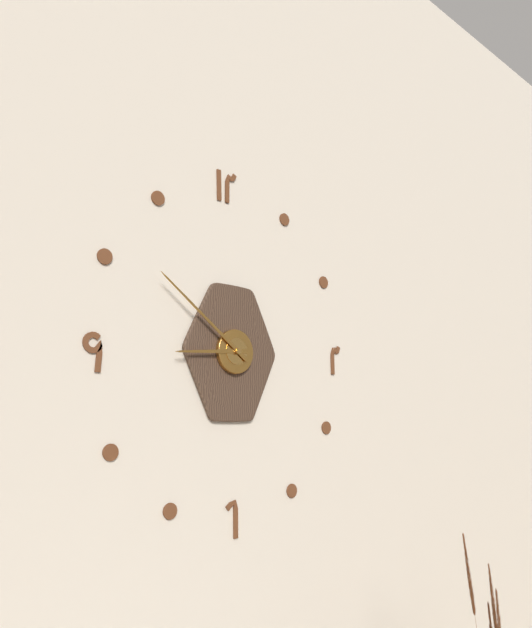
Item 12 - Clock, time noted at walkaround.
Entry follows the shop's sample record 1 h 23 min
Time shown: 8 h 51 min
